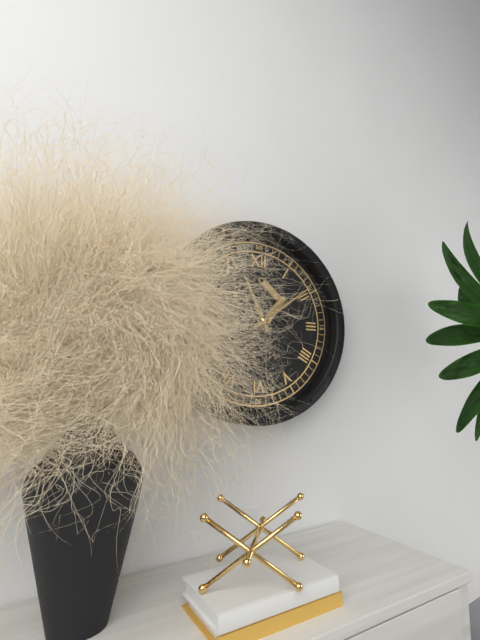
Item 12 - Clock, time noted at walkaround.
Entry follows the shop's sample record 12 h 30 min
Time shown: 11 h 09 min
